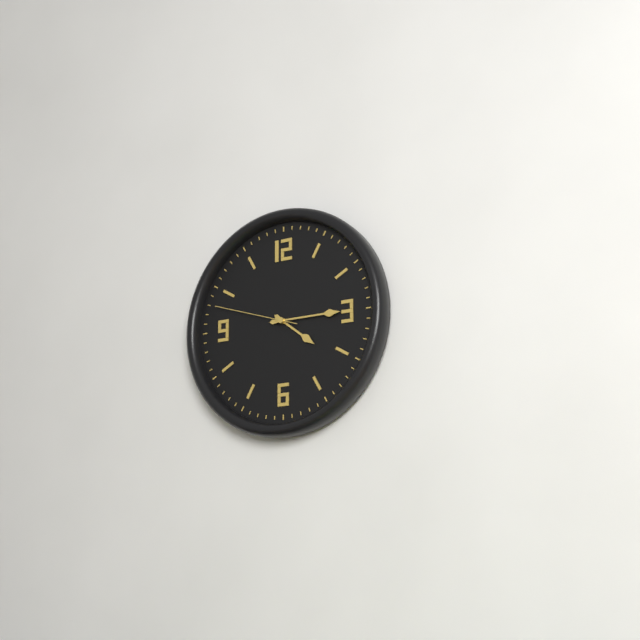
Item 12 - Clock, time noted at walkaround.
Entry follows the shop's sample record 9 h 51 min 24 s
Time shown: 4 h 15 min 48 s
